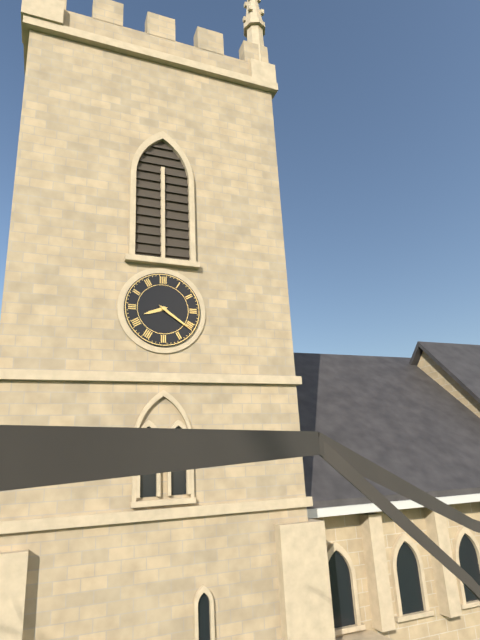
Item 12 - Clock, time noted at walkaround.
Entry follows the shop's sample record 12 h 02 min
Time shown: 8 h 21 min
